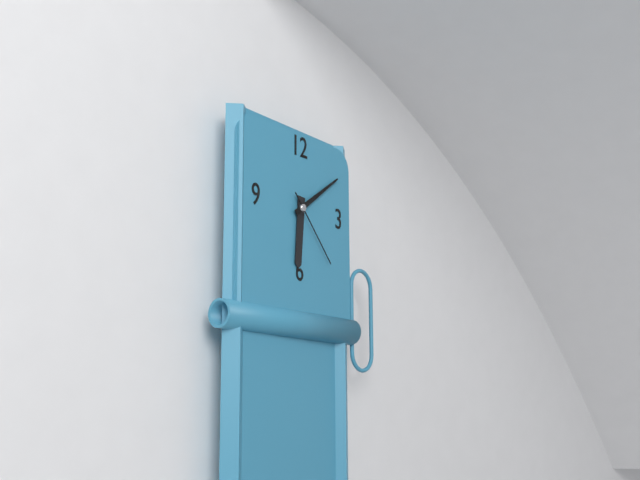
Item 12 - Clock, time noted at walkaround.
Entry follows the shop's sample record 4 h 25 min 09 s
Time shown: 6 h 09 min 23 s
